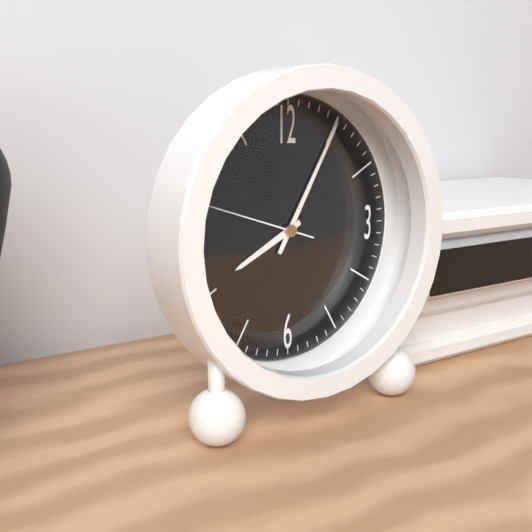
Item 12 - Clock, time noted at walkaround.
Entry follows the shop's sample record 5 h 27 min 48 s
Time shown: 8 h 05 min 48 s
